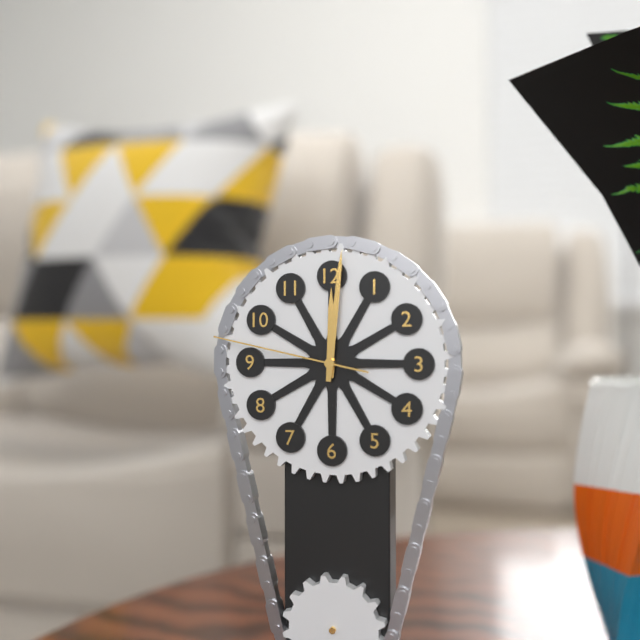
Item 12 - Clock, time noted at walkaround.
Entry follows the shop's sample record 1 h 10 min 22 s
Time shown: 12 h 01 min 47 s
